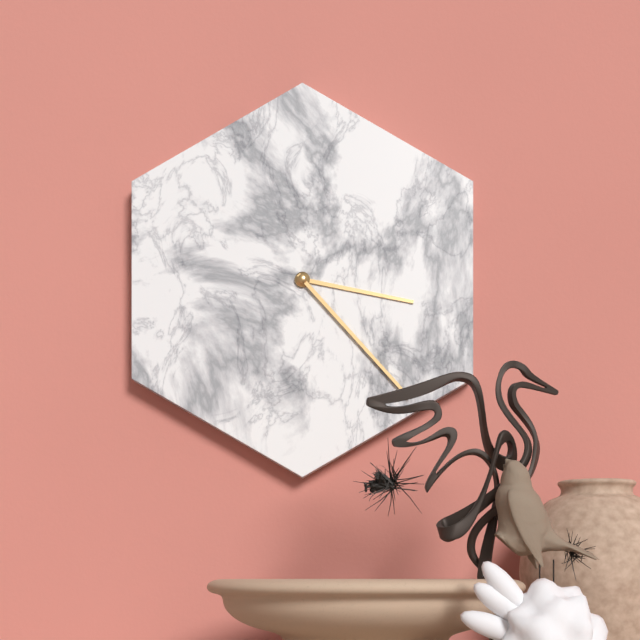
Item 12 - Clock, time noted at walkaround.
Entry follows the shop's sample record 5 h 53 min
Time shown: 3 h 23 min
